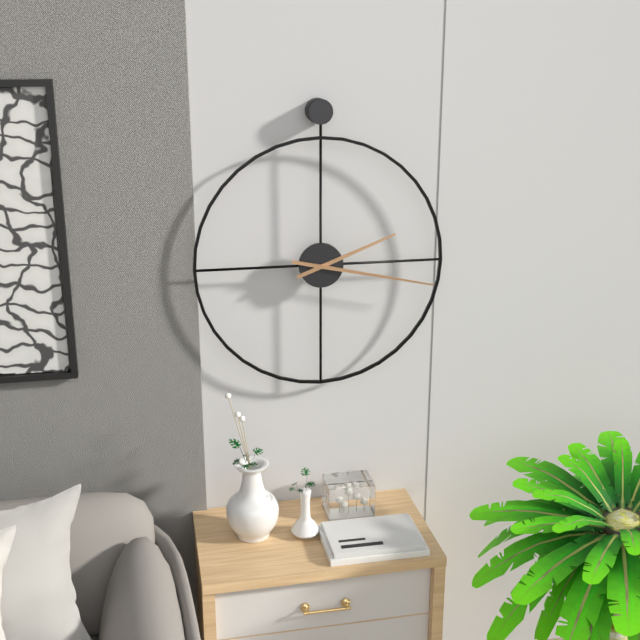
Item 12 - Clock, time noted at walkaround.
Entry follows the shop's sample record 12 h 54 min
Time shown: 2 h 17 min
